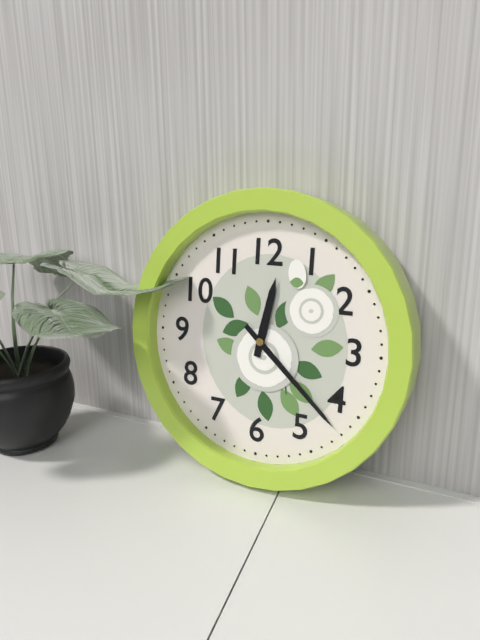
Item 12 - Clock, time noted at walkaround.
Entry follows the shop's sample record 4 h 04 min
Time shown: 12 h 22 min
